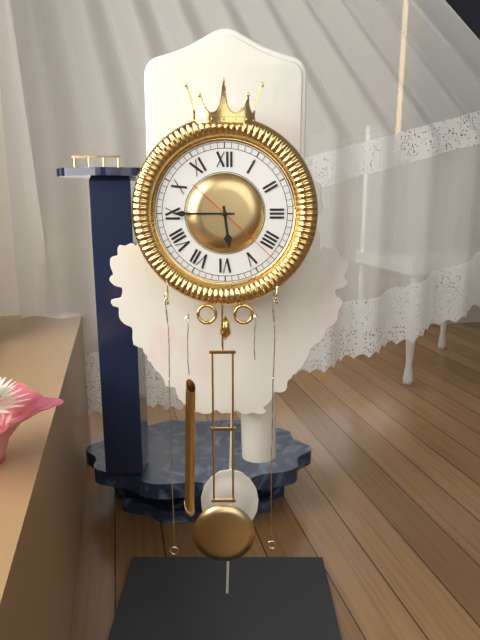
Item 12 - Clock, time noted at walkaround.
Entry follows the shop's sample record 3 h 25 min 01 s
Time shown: 5 h 45 min 22 s
